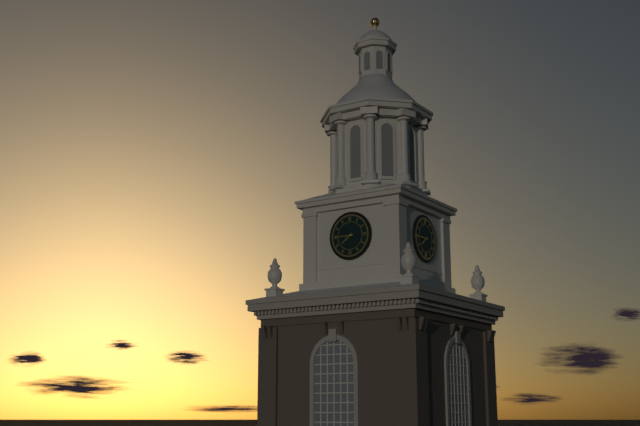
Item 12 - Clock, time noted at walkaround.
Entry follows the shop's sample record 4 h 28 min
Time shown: 7 h 45 min
